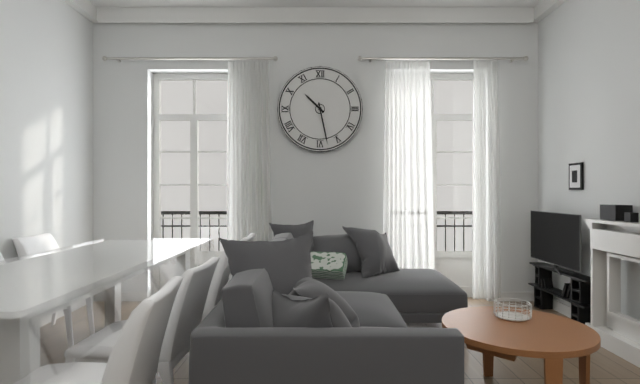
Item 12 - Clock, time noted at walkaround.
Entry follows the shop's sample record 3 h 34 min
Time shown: 10 h 28 min
